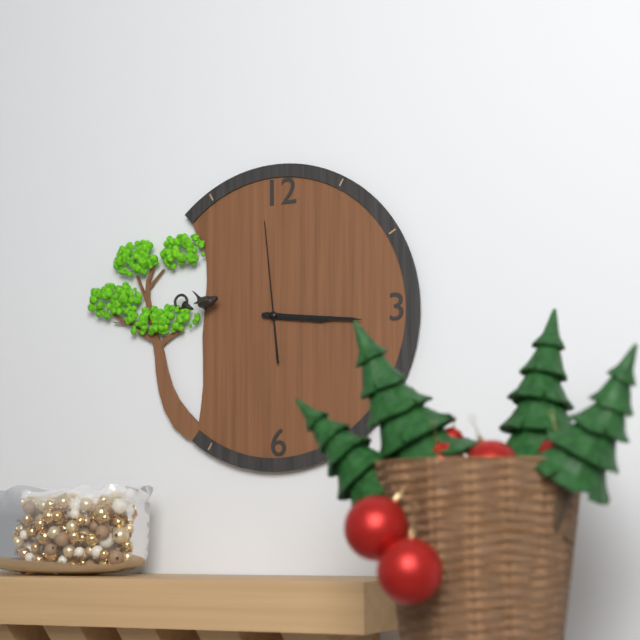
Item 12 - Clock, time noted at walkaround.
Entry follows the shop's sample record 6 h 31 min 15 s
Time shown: 3 h 16 min 59 s
